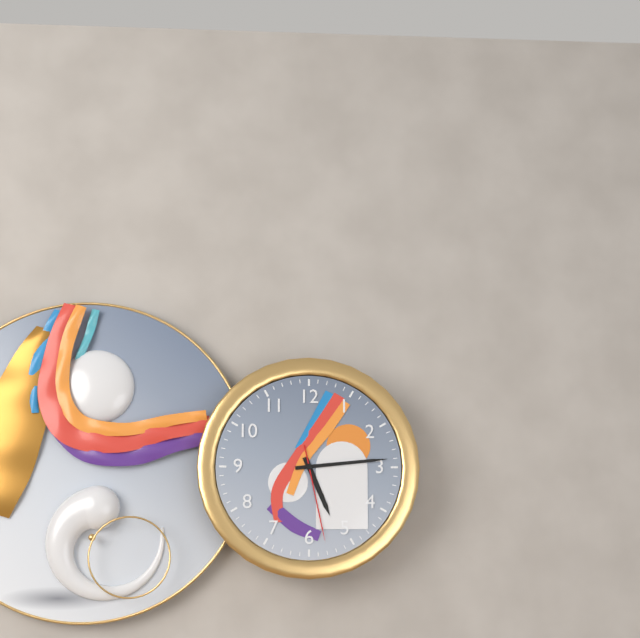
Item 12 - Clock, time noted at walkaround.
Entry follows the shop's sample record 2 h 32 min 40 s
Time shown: 5 h 14 min 28 s
